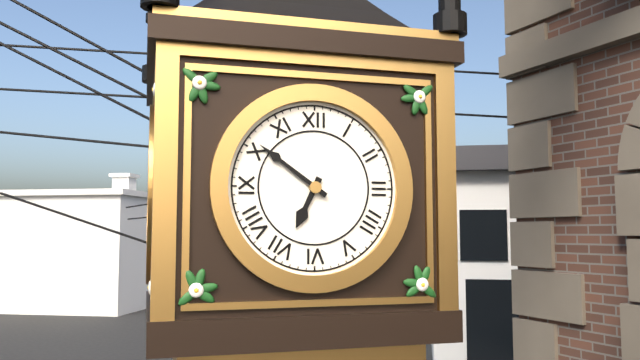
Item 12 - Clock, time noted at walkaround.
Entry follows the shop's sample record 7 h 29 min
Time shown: 6 h 51 min
